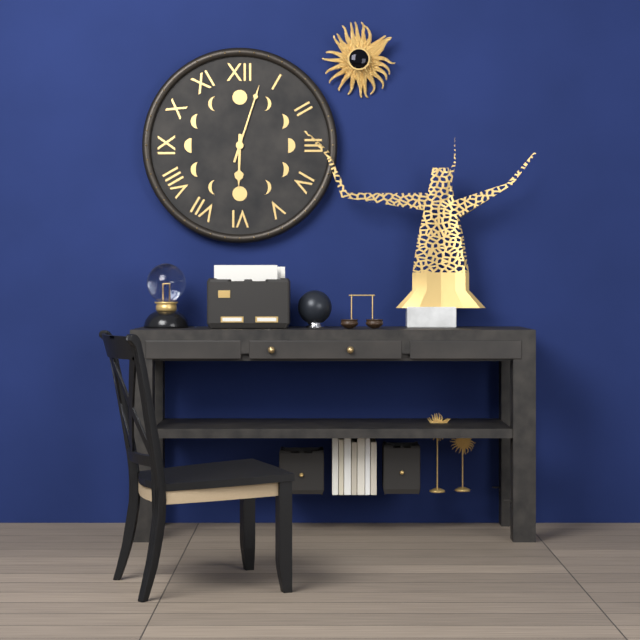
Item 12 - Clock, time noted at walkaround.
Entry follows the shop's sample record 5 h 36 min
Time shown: 6 h 03 min
